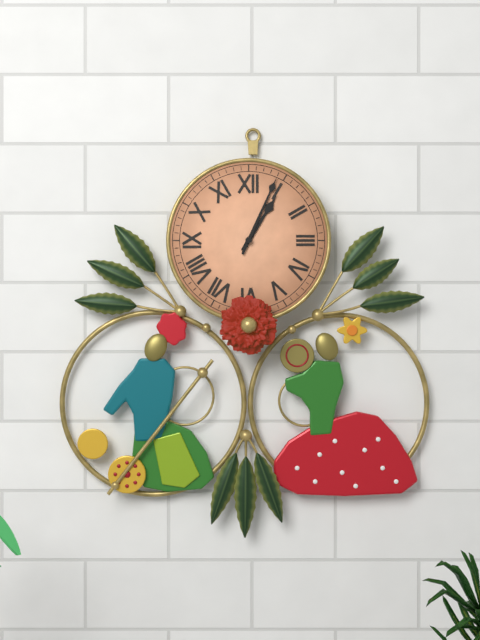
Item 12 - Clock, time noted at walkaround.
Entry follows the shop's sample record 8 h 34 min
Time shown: 1 h 04 min
